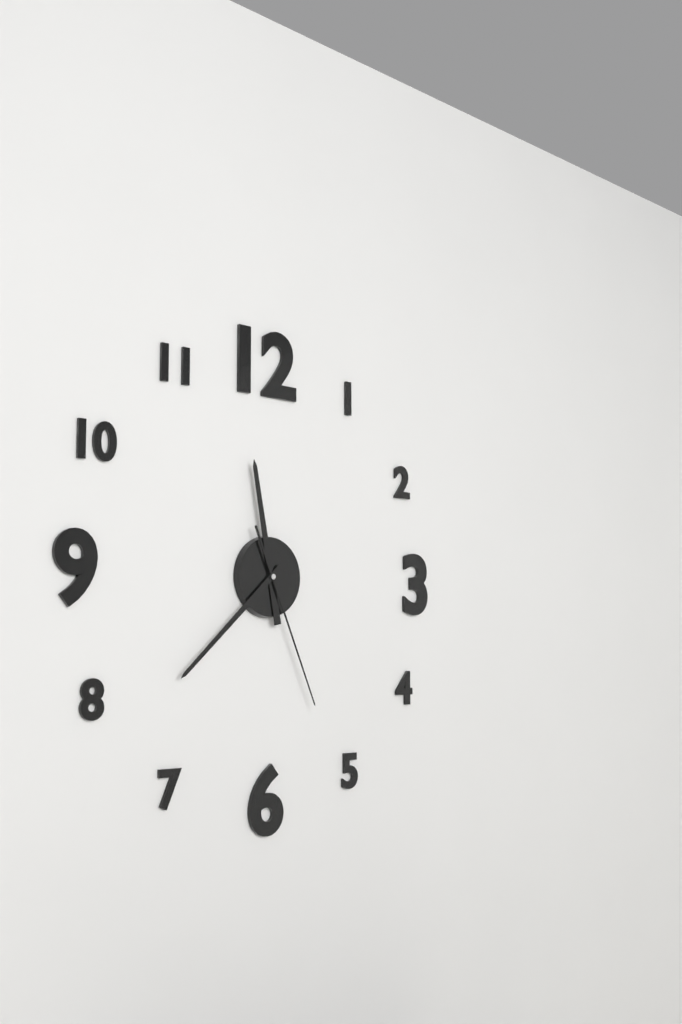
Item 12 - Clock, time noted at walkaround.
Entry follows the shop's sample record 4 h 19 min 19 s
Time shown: 11 h 38 min 26 s
